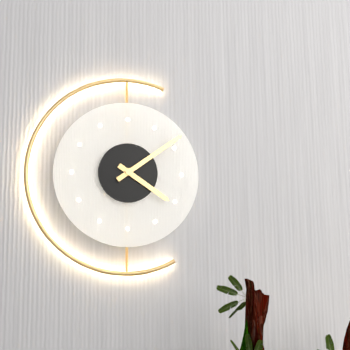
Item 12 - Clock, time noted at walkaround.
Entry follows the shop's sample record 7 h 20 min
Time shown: 4 h 09 min
